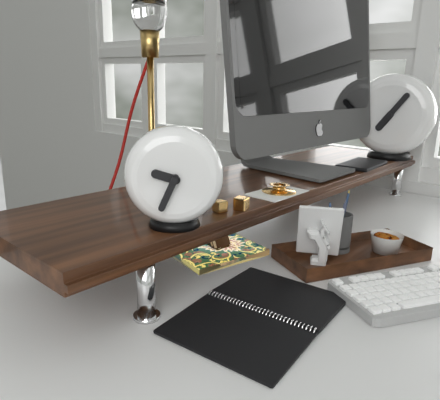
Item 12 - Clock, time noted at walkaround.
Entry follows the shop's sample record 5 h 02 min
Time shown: 9 h 34 min
